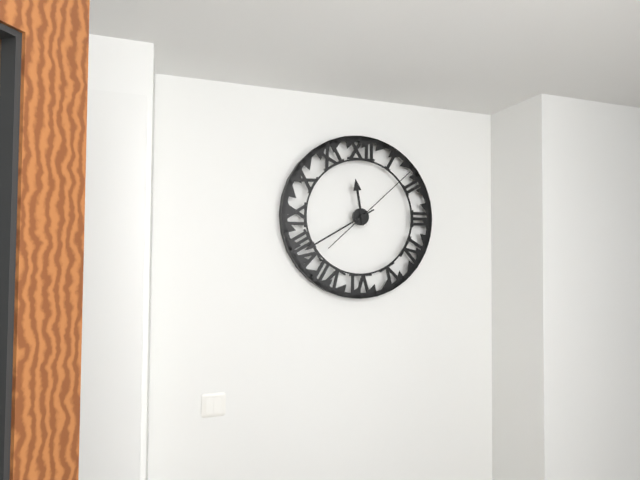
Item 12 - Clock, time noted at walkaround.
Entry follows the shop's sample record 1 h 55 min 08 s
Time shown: 11 h 40 min 08 s
